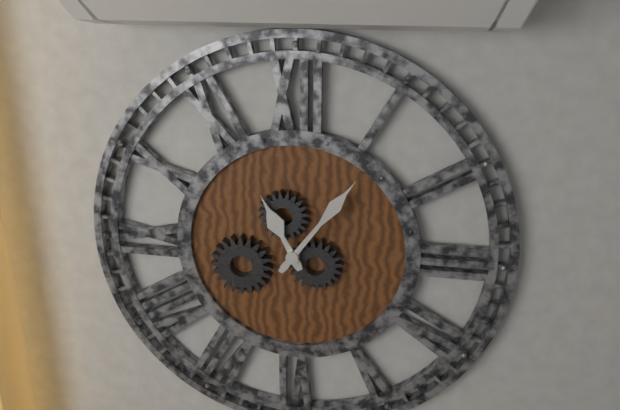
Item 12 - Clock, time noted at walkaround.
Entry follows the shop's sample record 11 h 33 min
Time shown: 11 h 06 min
